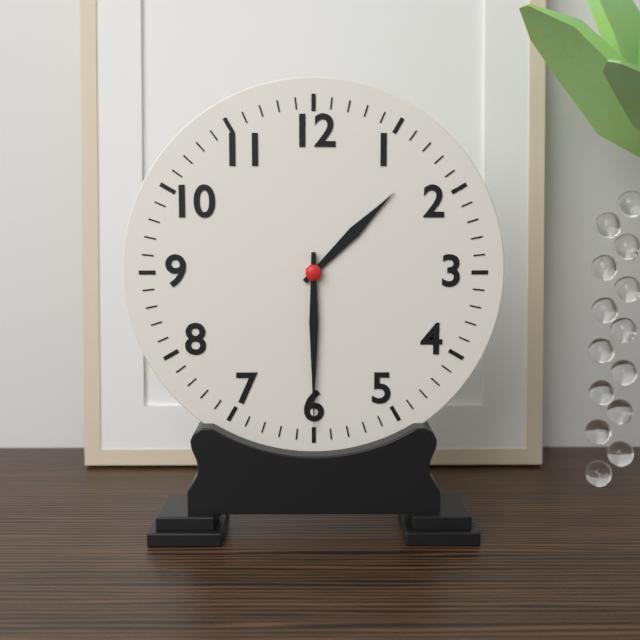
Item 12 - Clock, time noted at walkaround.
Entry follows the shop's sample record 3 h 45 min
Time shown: 1 h 30 min
